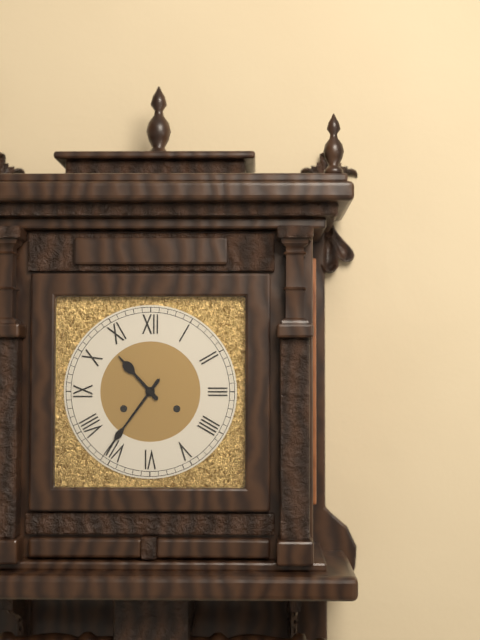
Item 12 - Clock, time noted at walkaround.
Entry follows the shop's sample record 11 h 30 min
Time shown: 10 h 36 min
